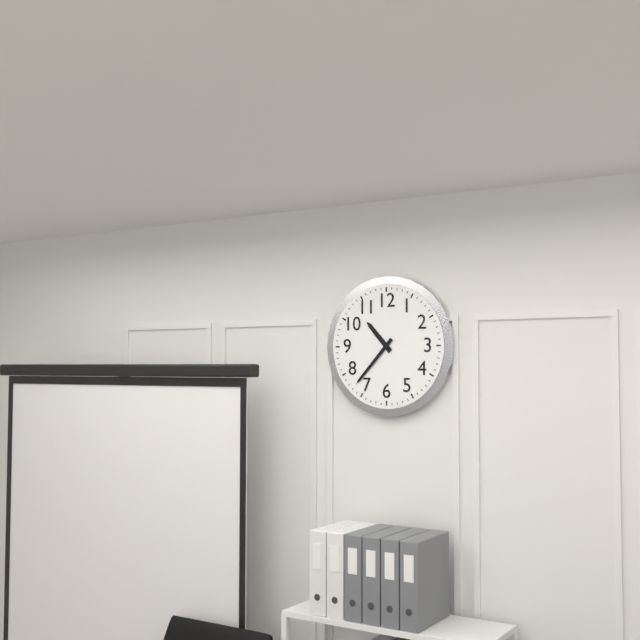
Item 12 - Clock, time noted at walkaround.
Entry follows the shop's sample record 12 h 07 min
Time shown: 10 h 37 min
